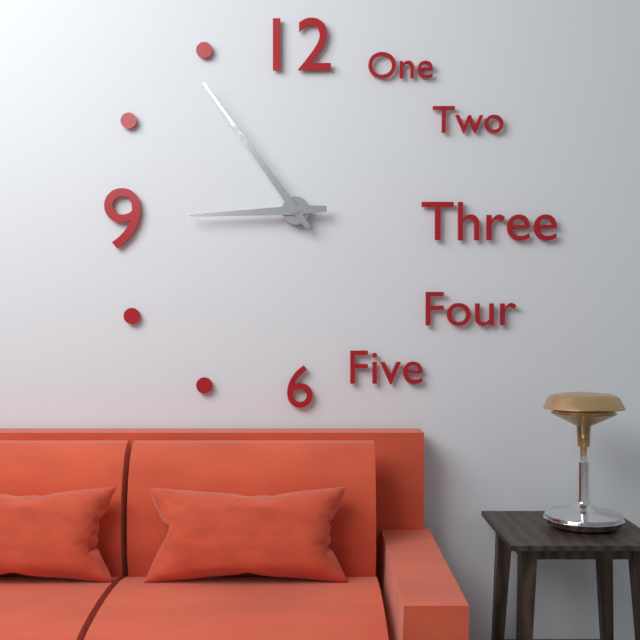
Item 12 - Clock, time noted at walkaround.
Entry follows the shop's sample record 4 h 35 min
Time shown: 8 h 54 min
